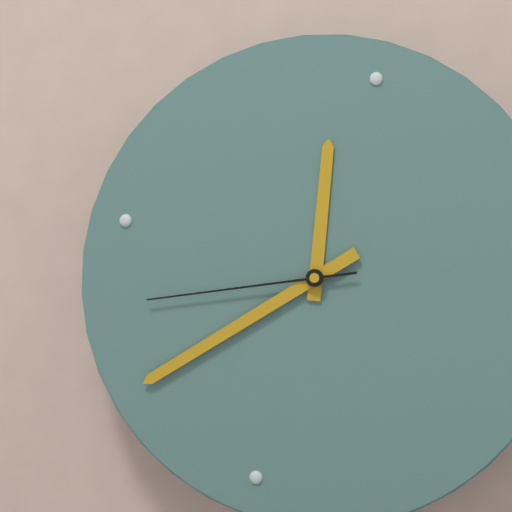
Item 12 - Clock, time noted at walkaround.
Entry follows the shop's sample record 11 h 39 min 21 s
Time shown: 11 h 37 min 41 s
